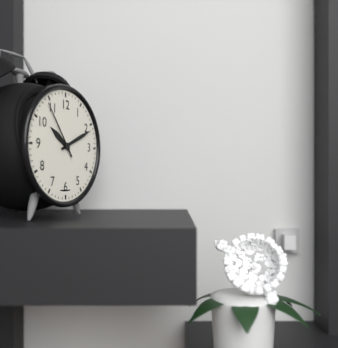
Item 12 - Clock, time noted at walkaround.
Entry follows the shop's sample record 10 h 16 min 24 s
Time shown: 10 h 11 min 54 s
